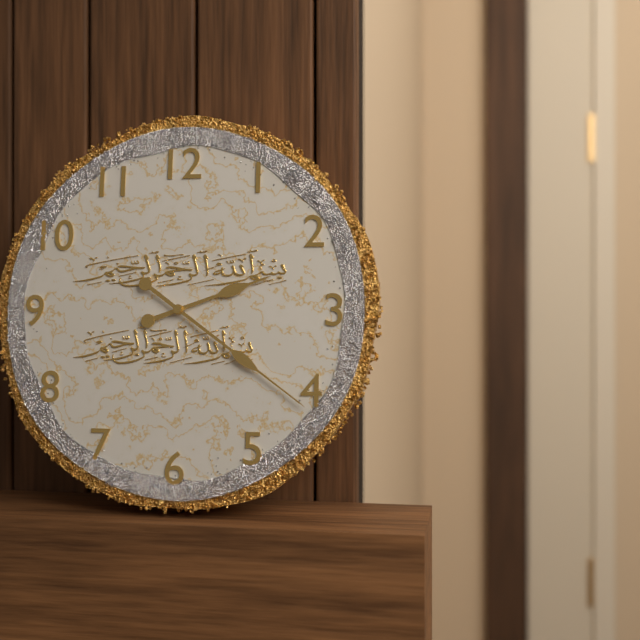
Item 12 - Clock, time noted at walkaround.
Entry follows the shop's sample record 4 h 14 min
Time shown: 2 h 21 min
